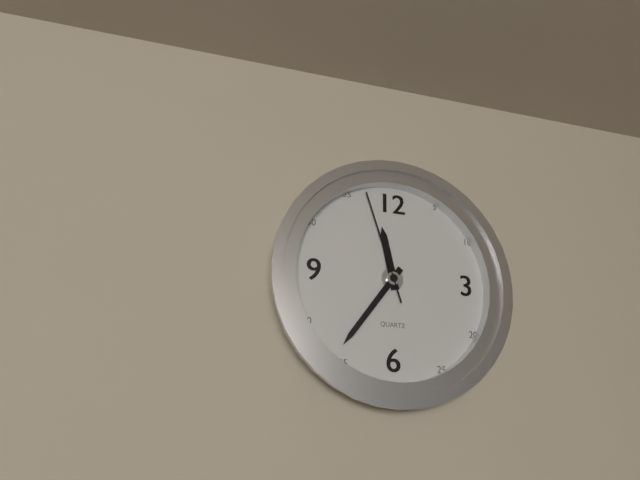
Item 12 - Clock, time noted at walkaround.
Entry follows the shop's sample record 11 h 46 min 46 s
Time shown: 11 h 36 min 57 s
